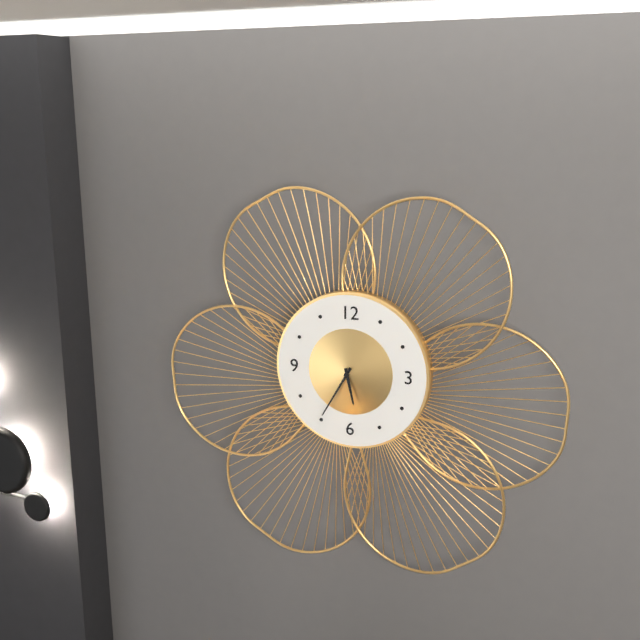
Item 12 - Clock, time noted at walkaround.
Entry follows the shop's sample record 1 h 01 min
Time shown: 5 h 35 min
